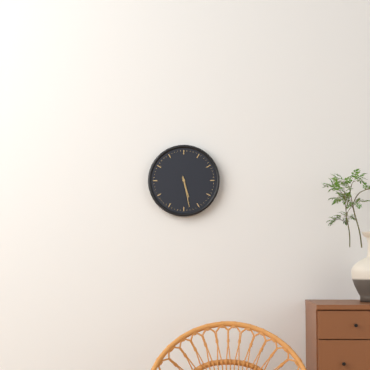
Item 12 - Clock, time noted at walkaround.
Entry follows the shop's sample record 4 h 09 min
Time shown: 5 h 28 min
